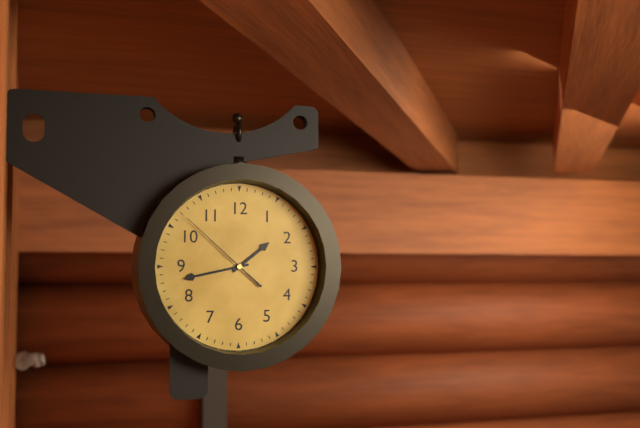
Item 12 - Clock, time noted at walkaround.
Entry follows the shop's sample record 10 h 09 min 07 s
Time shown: 1 h 43 min 52 s
